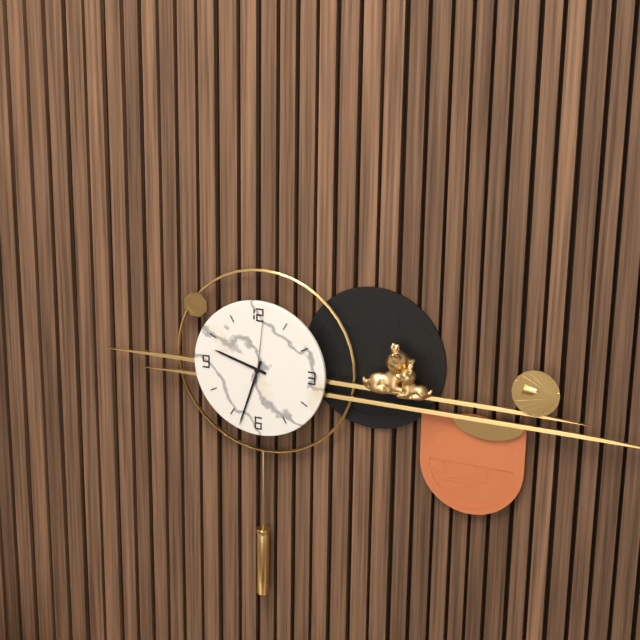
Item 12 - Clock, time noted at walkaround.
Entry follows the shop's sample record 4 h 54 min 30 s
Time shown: 9 h 33 min 01 s
